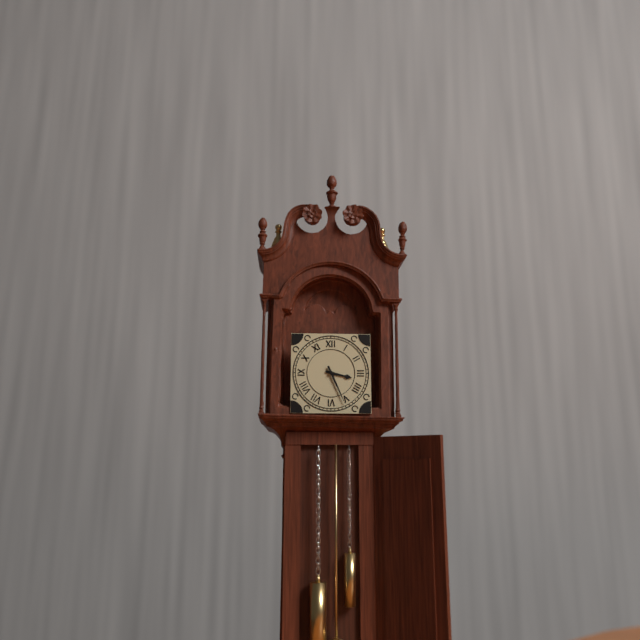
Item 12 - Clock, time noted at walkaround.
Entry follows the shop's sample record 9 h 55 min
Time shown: 3 h 26 min
